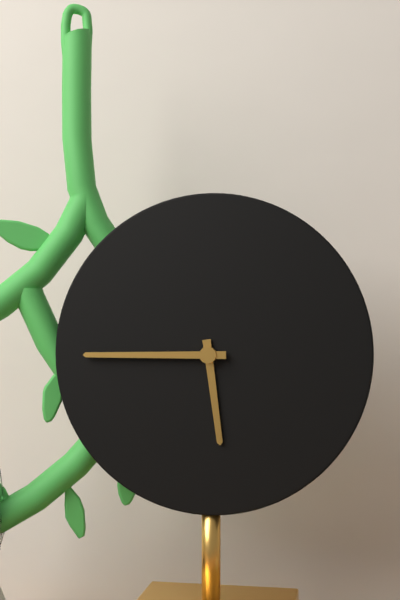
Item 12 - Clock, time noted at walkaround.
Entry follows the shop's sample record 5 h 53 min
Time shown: 5 h 45 min
